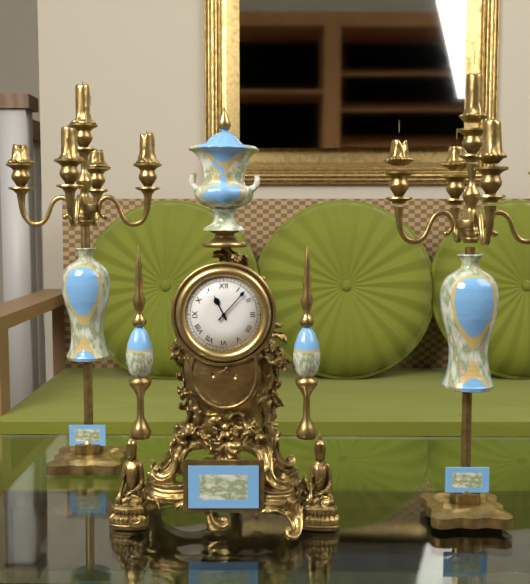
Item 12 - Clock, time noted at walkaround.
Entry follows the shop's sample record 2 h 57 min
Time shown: 11 h 07 min
